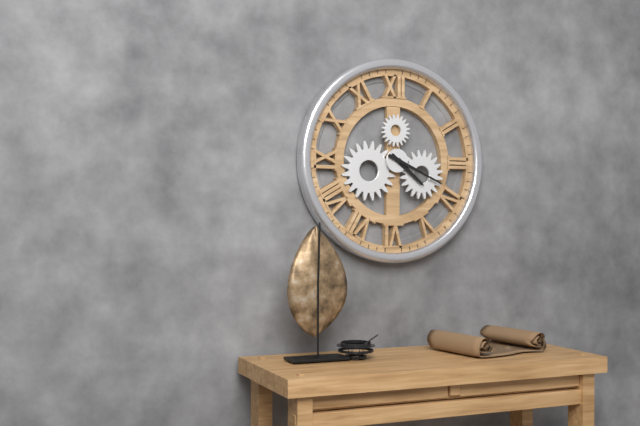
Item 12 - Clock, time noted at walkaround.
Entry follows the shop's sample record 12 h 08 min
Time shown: 4 h 19 min
